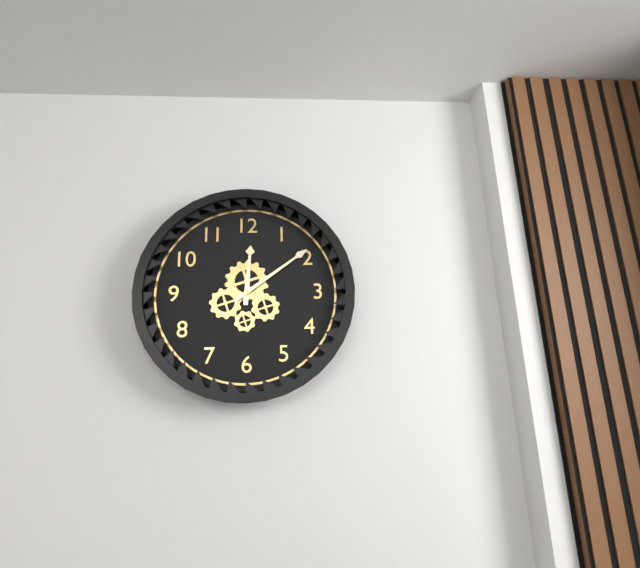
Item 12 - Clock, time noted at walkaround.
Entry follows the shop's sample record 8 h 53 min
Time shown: 12 h 09 min
